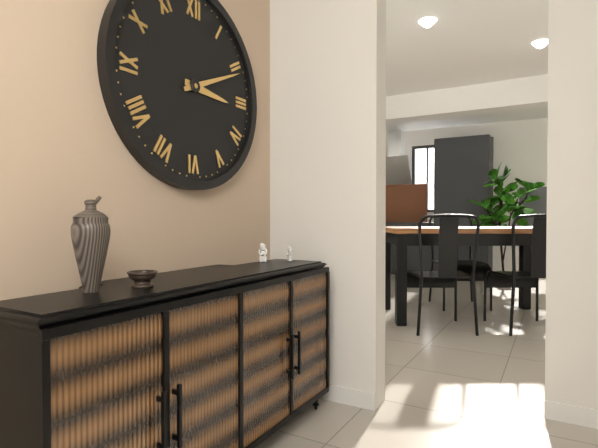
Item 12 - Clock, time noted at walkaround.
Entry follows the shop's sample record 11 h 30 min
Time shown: 3 h 11 min
